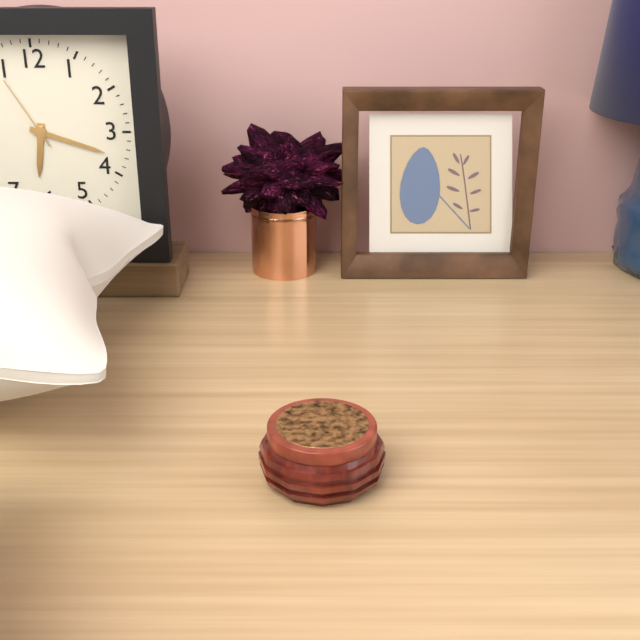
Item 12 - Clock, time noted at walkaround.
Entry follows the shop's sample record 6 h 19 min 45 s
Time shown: 6 h 18 min 55 s
